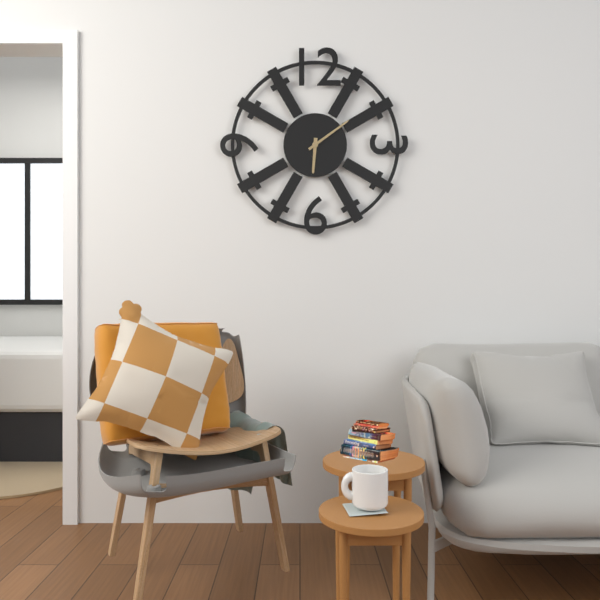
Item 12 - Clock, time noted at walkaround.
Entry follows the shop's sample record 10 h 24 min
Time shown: 6 h 09 min
